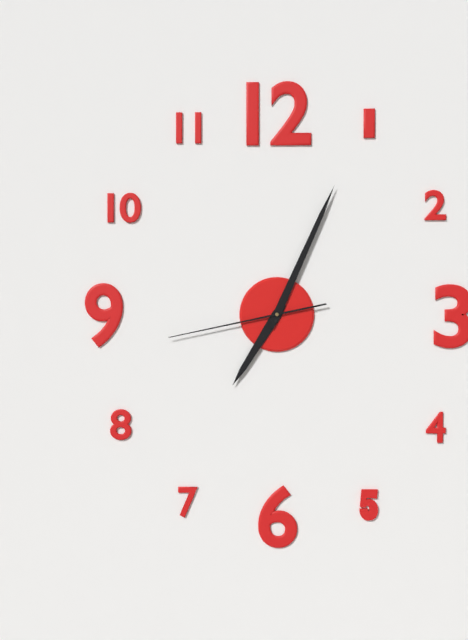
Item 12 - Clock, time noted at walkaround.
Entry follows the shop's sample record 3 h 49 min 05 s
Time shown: 7 h 04 min 43 s
